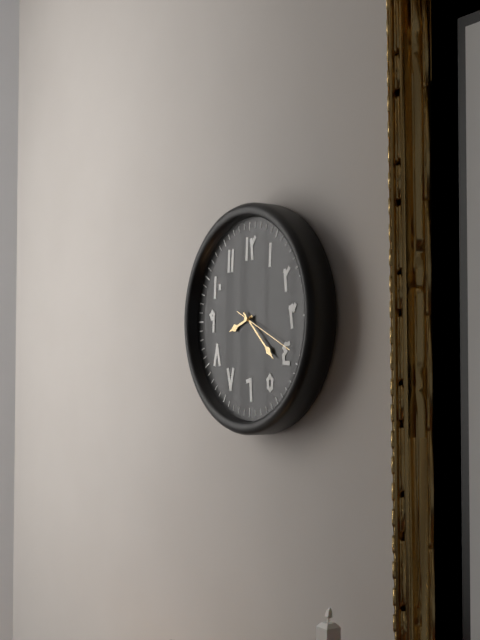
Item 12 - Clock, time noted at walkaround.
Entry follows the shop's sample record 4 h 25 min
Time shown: 8 h 22 min
